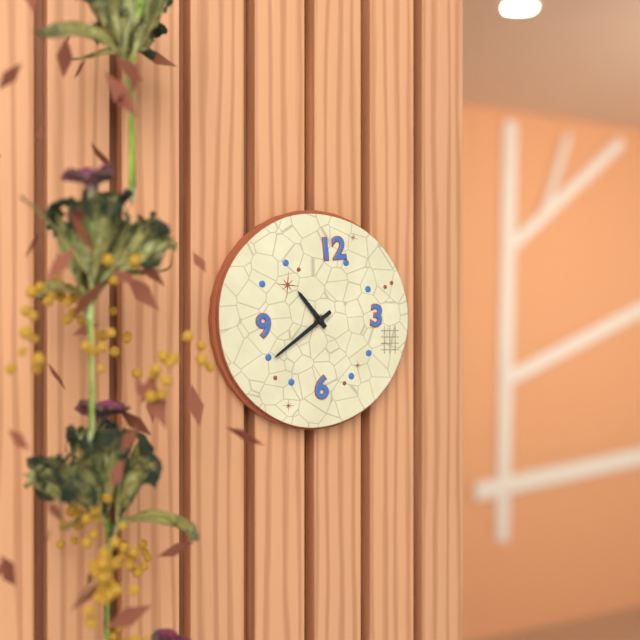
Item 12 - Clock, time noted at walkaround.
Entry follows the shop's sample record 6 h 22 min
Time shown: 10 h 39 min
